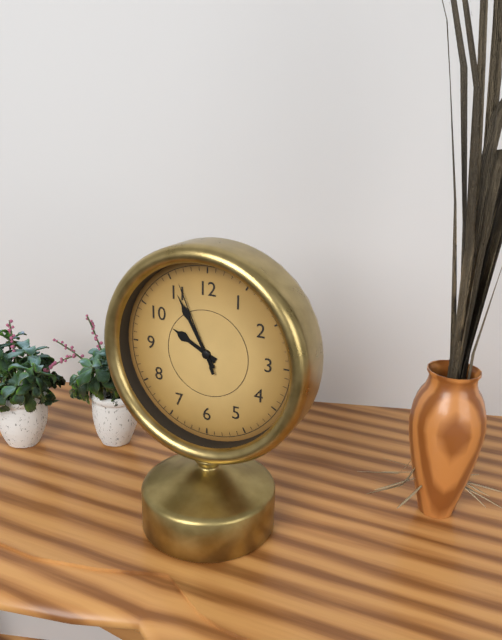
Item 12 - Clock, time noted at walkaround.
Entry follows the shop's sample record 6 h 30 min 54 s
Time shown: 9 h 55 min 56 s
